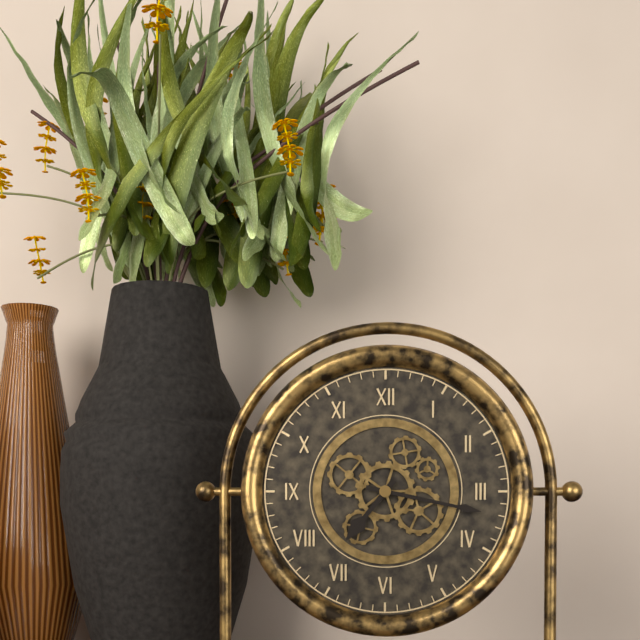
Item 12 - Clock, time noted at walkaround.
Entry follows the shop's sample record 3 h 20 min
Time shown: 7 h 17 min
